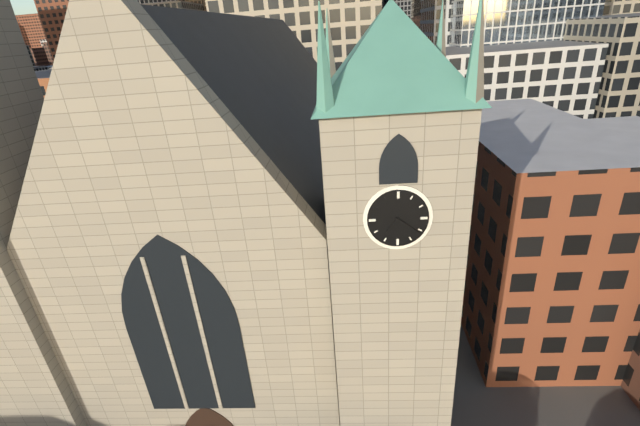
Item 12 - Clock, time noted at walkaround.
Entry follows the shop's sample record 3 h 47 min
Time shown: 7 h 21 min
